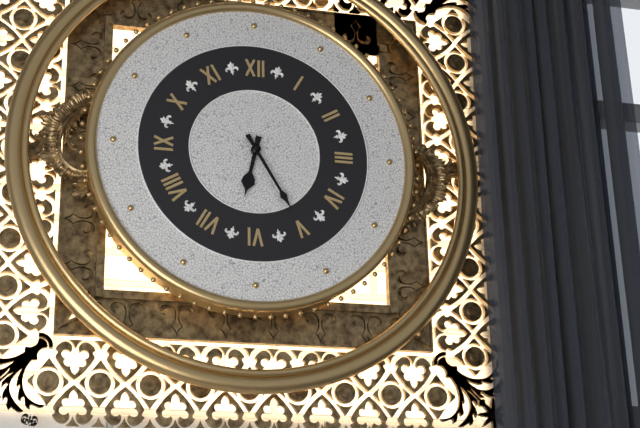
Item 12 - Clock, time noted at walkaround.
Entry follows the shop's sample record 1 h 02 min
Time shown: 6 h 25 min
